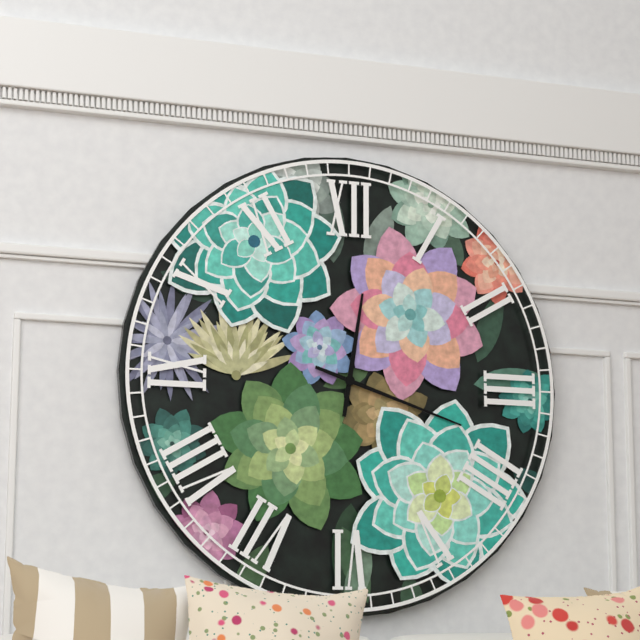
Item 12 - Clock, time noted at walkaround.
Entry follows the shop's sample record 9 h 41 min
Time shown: 12 h 18 min
